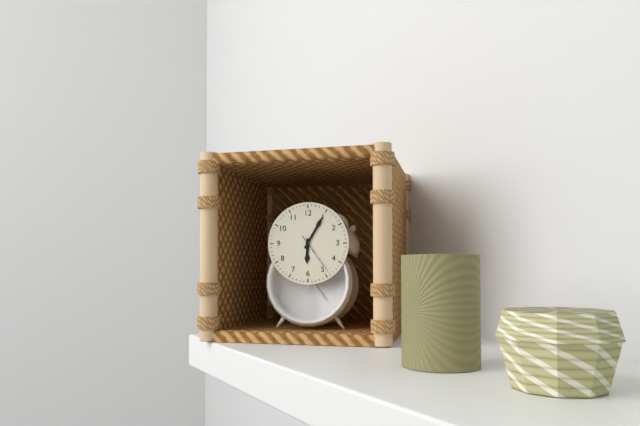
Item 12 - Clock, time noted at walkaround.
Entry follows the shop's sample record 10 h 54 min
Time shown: 6 h 05 min
